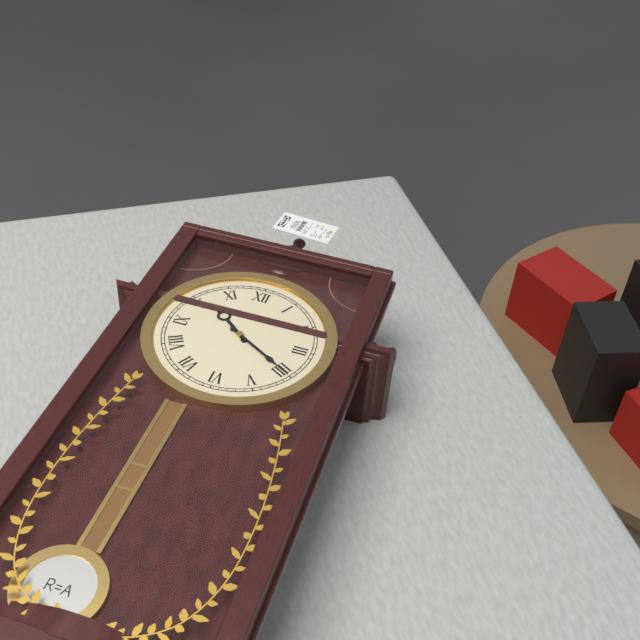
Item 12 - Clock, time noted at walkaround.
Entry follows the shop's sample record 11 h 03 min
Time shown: 10 h 20 min
